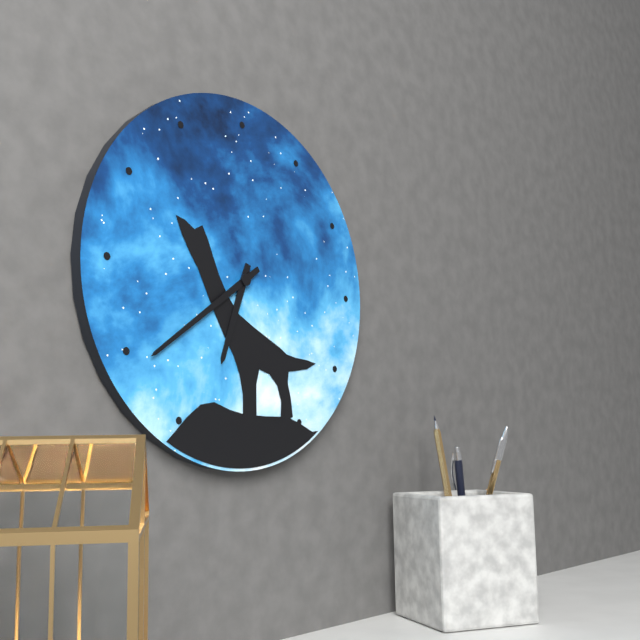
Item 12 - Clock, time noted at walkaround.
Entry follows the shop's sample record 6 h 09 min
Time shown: 6 h 39 min
